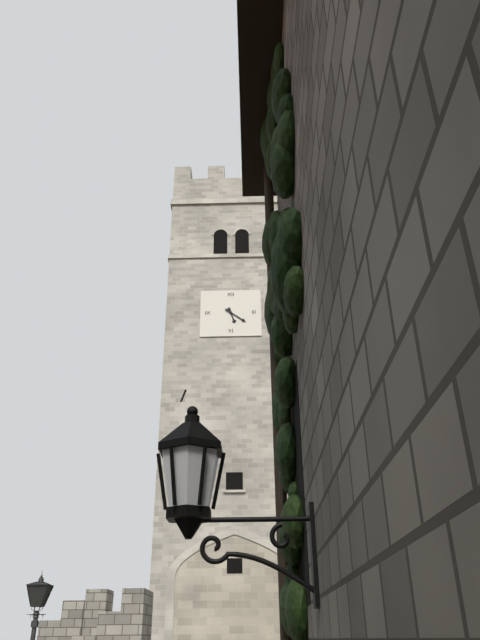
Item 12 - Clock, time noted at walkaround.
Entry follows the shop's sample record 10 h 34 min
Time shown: 5 h 21 min
